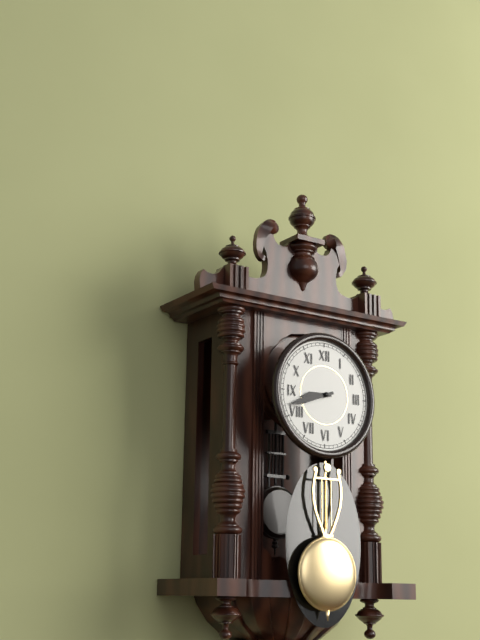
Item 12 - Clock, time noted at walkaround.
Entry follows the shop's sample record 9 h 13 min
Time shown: 8 h 42 min
